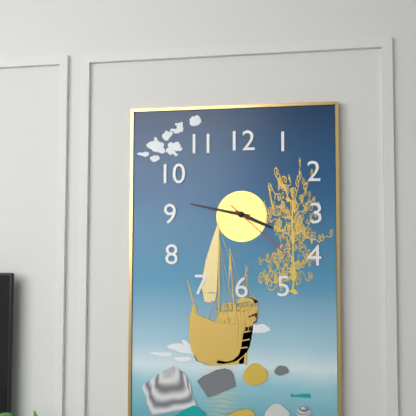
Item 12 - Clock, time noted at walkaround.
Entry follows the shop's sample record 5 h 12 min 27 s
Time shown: 3 h 47 min 22 s
